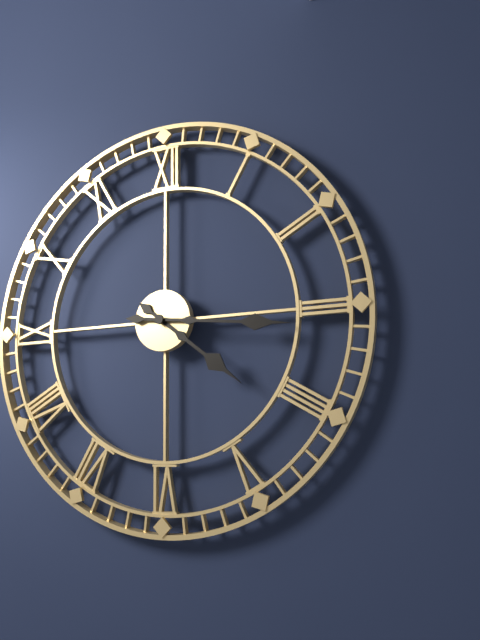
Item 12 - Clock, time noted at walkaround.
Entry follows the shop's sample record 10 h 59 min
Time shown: 4 h 16 min
